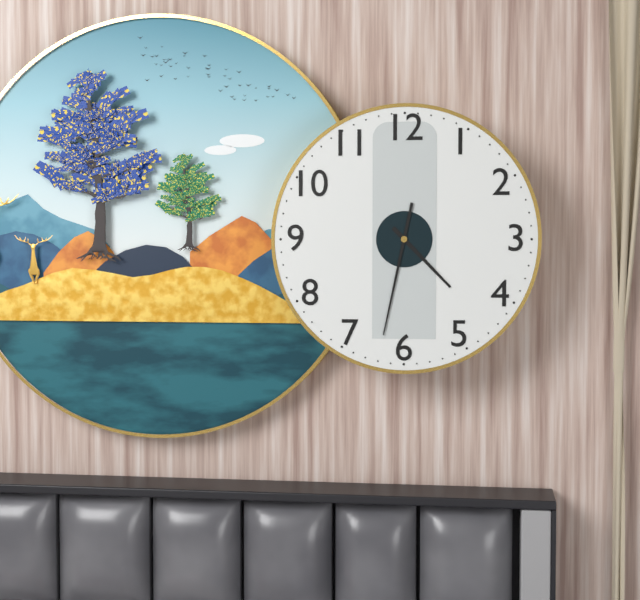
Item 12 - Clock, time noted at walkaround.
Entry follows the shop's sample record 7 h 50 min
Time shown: 4 h 32 min
